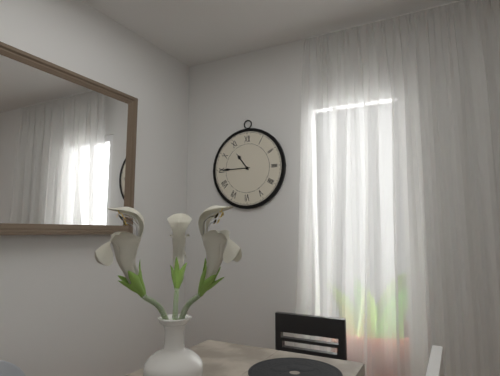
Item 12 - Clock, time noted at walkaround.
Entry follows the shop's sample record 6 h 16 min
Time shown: 10 h 45 min
